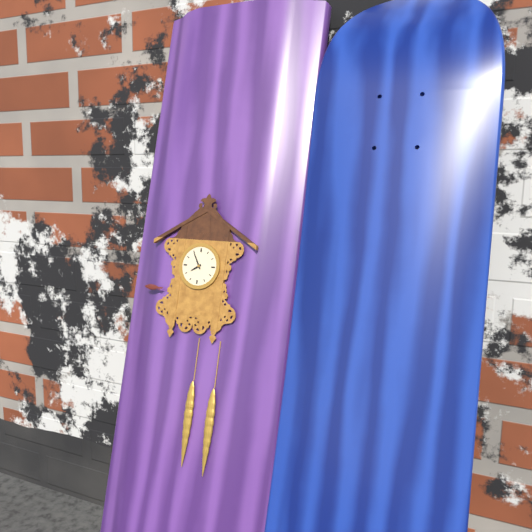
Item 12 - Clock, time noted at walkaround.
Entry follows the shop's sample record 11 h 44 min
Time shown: 7 h 55 min
